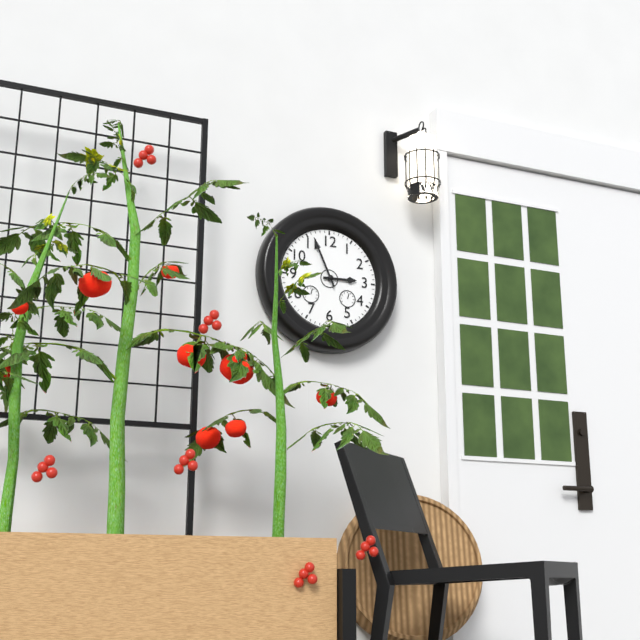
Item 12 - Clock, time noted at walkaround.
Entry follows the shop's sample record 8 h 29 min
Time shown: 2 h 56 min
